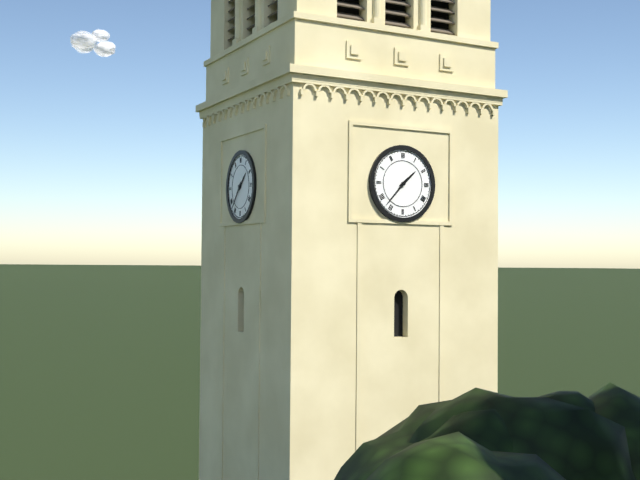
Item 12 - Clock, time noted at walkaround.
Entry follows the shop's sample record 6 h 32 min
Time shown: 1 h 37 min
